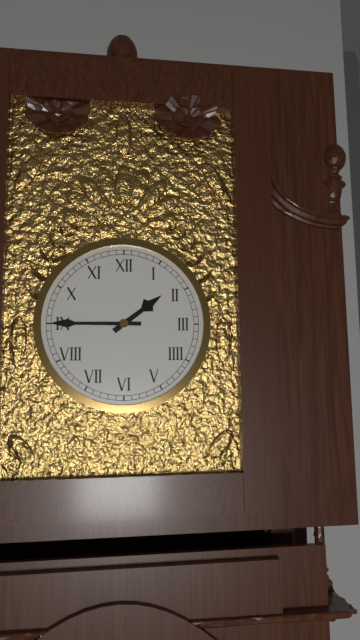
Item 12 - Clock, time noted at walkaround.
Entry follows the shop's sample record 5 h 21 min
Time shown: 1 h 45 min
